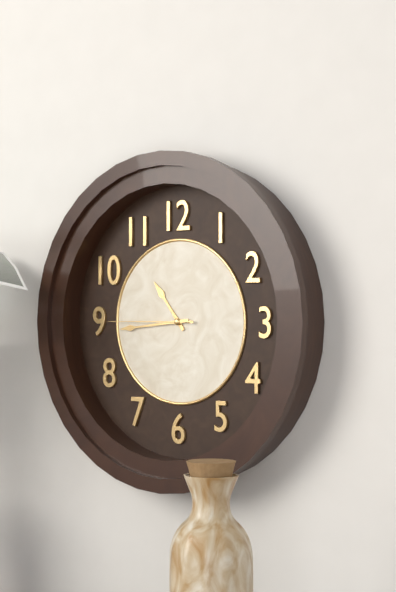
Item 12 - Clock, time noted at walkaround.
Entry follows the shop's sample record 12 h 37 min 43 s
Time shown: 10 h 44 min 45 s
